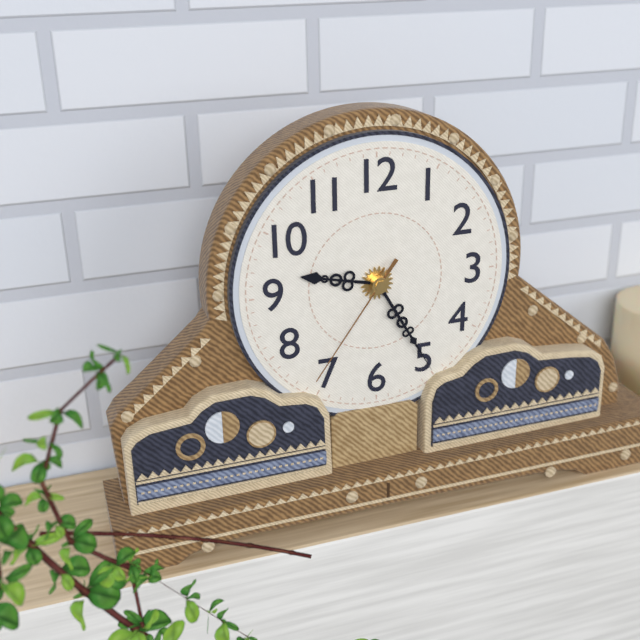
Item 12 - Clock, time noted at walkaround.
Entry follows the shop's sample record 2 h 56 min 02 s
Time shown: 9 h 25 min 36 s
